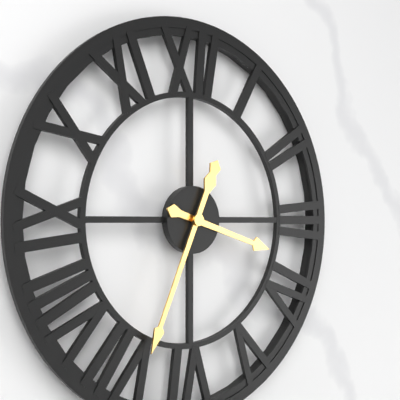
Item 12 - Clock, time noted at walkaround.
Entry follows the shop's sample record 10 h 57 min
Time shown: 3 h 34 min
